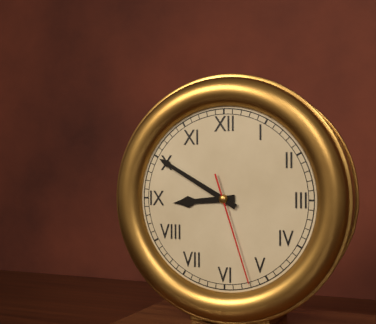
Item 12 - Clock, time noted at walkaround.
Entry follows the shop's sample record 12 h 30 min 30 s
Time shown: 8 h 50 min 27 s
